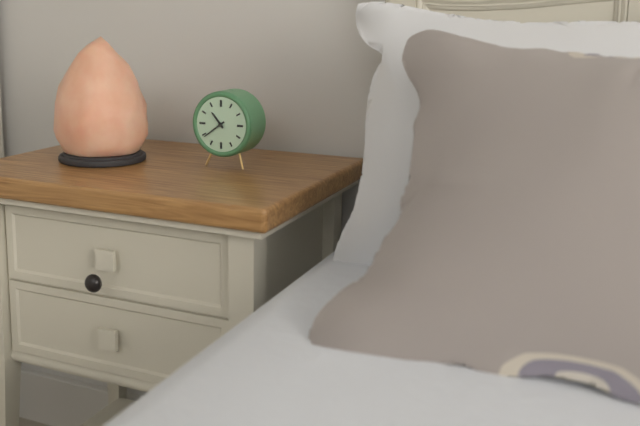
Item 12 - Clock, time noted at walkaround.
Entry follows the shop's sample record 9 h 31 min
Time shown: 10 h 39 min
